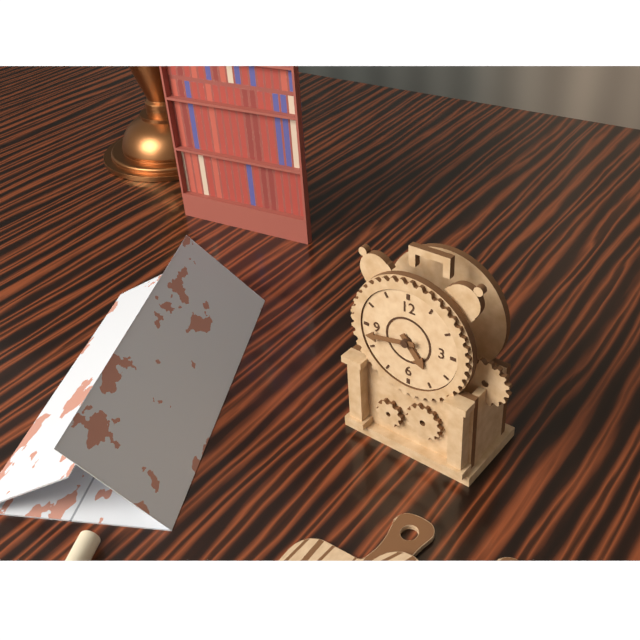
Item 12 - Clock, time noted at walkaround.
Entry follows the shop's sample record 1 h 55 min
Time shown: 4 h 43 min
